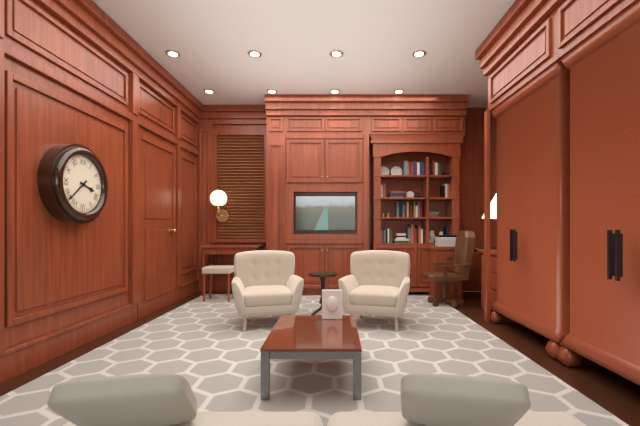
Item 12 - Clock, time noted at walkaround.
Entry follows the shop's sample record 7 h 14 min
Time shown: 3 h 38 min
